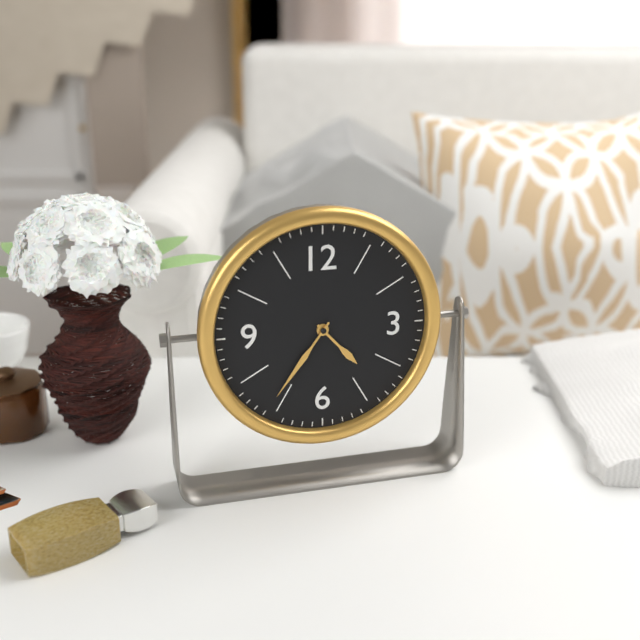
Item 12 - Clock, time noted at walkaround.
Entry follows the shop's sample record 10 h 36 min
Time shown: 4 h 36 min
